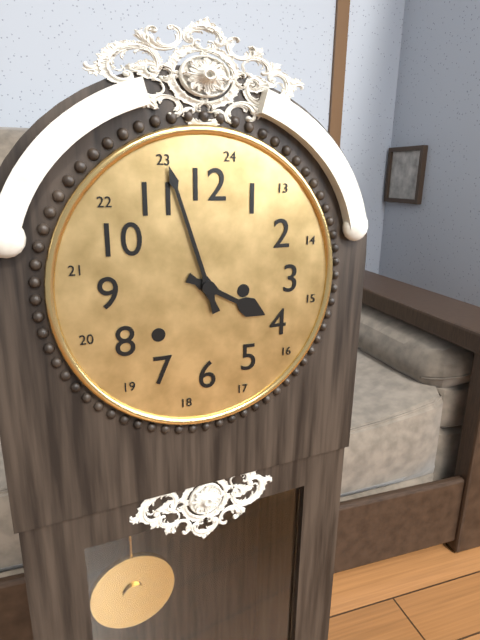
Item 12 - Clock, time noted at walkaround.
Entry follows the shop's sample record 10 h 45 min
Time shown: 3 h 57 min
